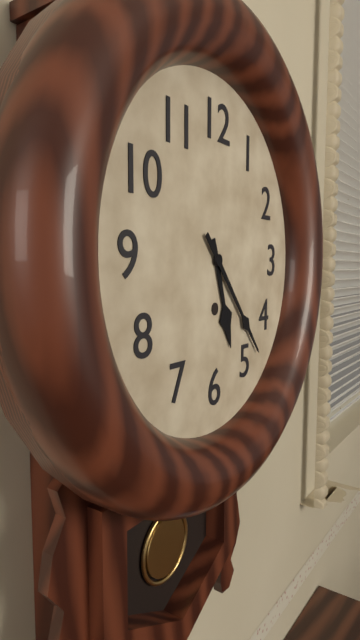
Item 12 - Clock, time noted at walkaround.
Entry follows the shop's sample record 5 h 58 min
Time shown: 5 h 23 min
